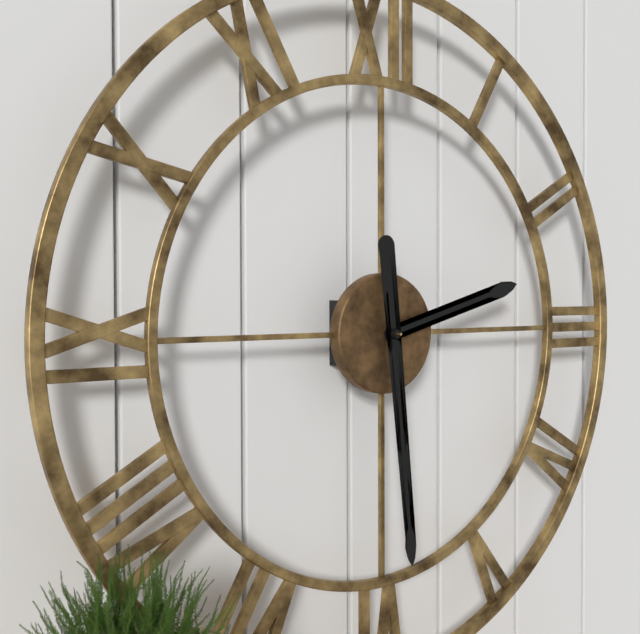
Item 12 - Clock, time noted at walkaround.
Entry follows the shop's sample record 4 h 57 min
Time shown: 2 h 29 min
